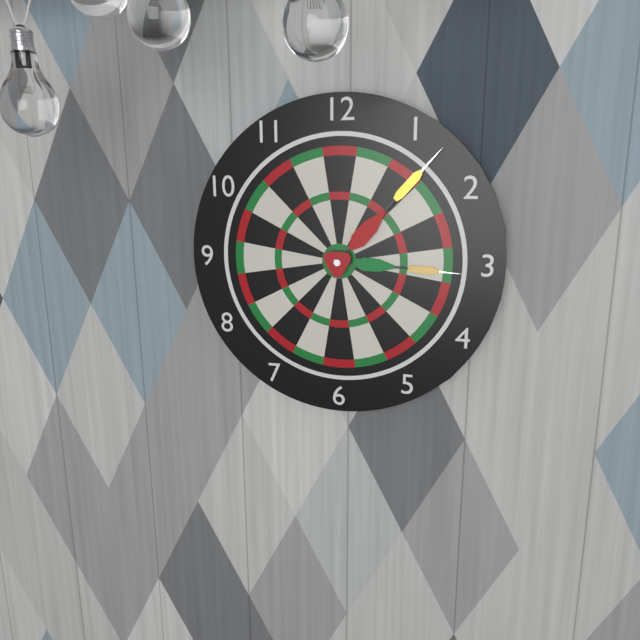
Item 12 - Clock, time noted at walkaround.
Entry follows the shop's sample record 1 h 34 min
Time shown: 3 h 07 min
